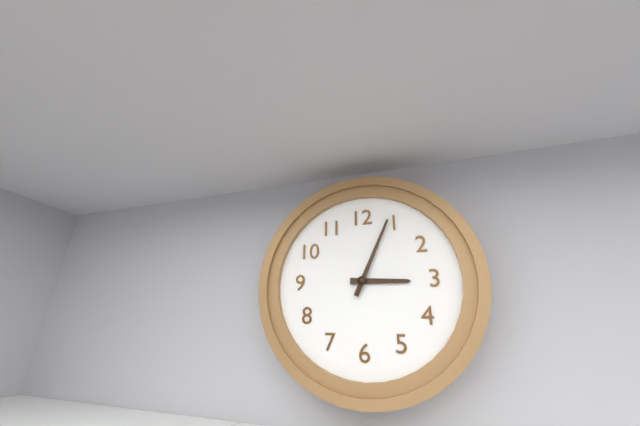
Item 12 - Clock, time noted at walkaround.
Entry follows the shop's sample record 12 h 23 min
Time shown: 3 h 04 min
